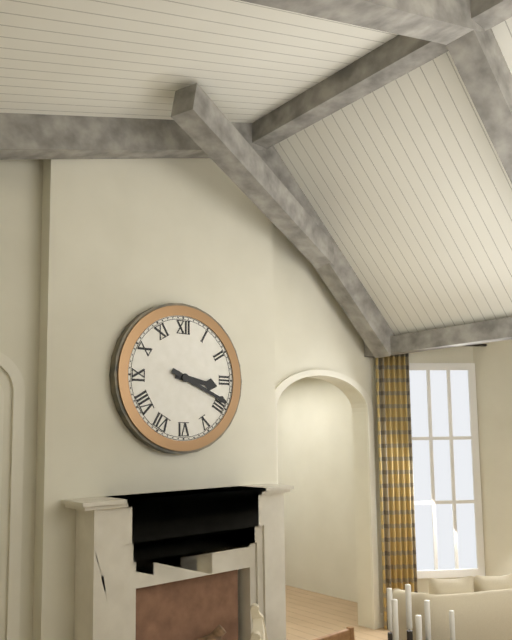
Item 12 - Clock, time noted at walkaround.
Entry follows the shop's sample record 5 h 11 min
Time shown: 3 h 19 min
